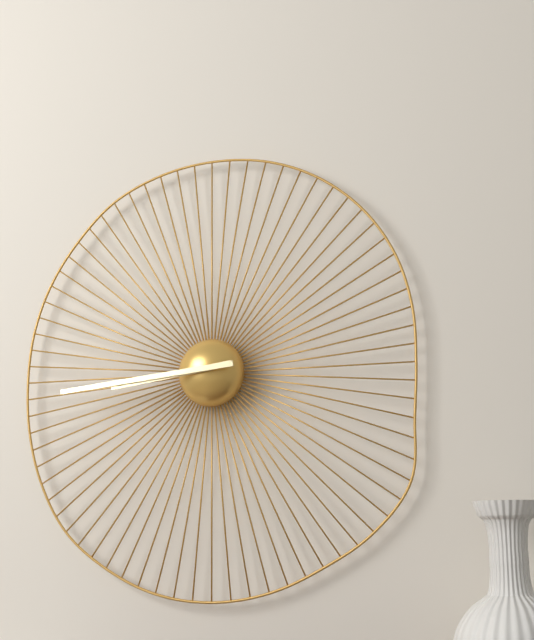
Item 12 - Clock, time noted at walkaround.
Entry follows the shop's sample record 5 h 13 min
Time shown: 8 h 44 min
